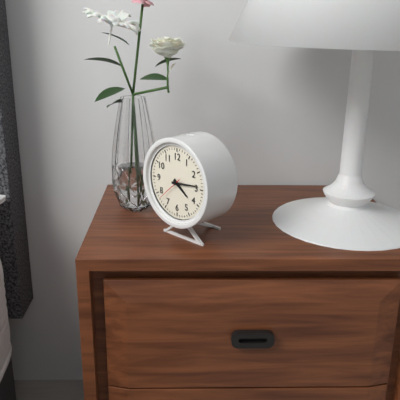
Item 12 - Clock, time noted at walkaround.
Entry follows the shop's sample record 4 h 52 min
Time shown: 4 h 14 min
